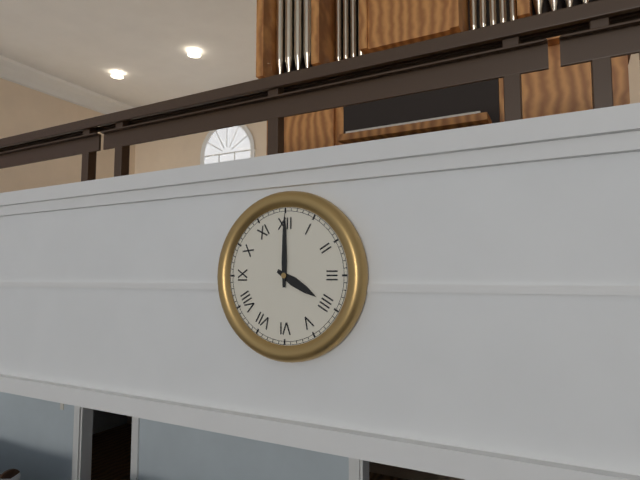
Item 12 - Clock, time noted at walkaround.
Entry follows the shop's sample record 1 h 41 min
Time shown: 4 h 00 min
